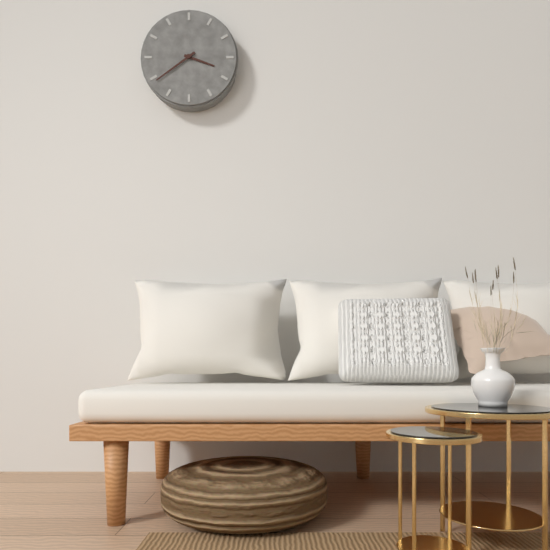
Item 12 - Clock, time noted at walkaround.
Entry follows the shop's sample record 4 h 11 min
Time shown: 3 h 39 min
